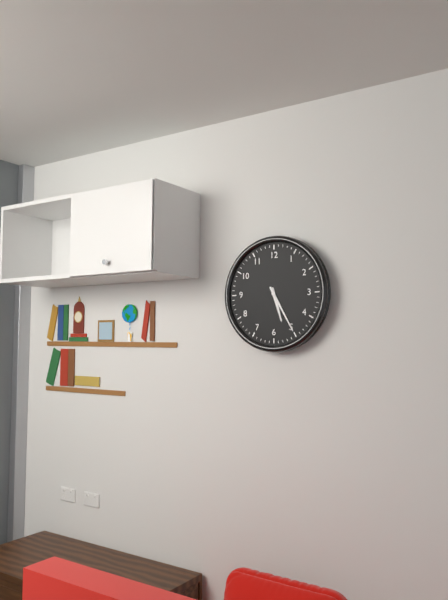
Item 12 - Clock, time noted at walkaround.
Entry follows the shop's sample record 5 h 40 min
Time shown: 5 h 25 min
